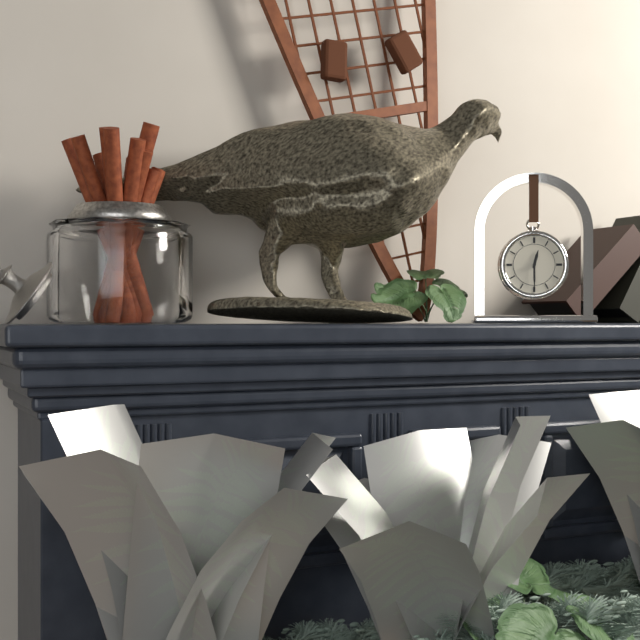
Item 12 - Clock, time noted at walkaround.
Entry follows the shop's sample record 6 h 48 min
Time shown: 12 h 30 min
